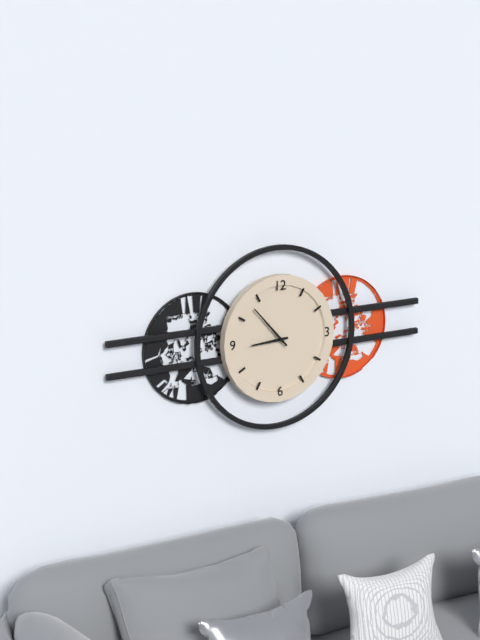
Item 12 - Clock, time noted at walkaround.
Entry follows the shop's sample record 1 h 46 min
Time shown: 8 h 53 min
